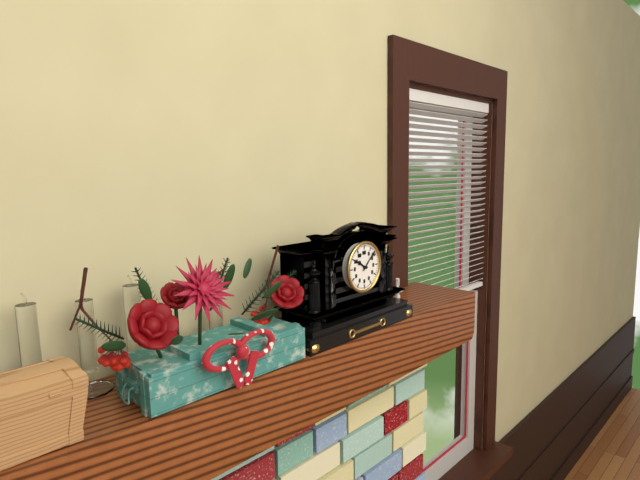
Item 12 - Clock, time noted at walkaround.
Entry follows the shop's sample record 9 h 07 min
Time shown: 10 h 08 min
